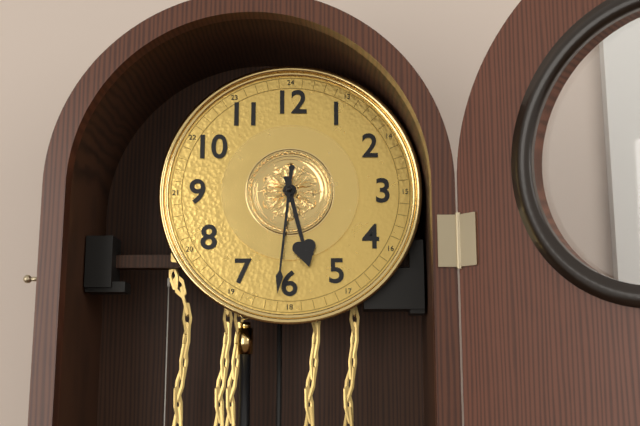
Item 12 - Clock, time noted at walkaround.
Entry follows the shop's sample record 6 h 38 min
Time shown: 5 h 31 min
